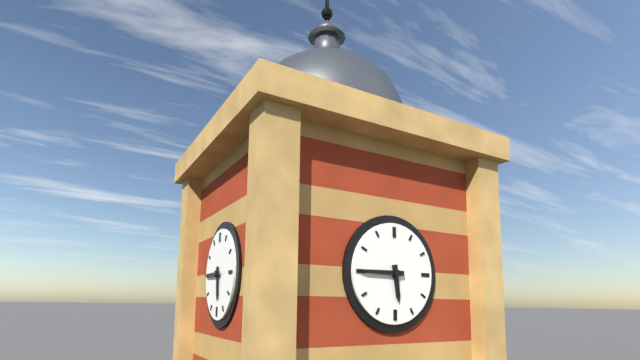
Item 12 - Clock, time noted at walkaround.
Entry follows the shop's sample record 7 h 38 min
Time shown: 5 h 45 min
